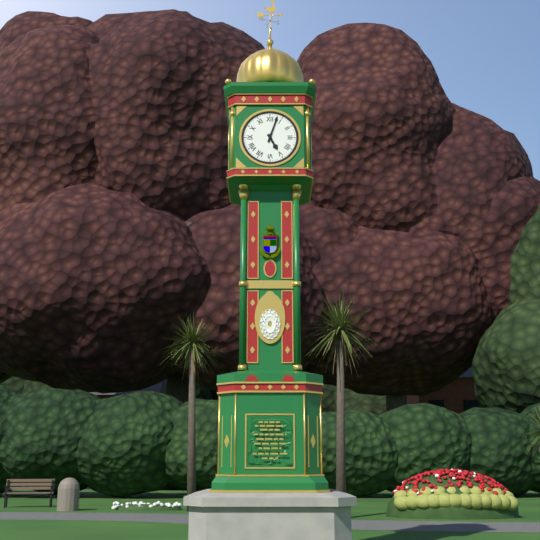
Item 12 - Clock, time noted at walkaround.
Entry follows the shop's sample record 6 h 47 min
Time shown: 5 h 03 min
